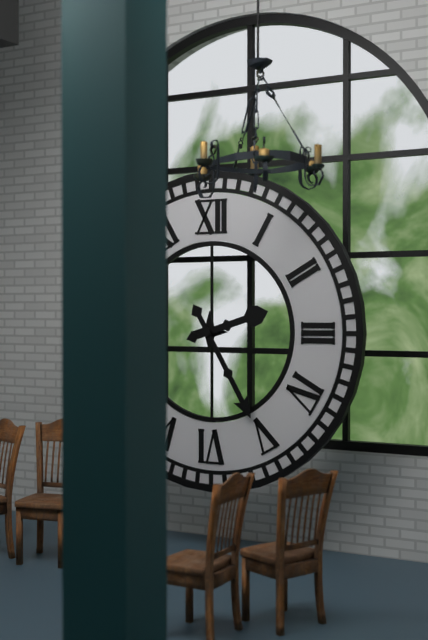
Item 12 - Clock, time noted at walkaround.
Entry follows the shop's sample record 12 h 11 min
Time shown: 2 h 25 min
